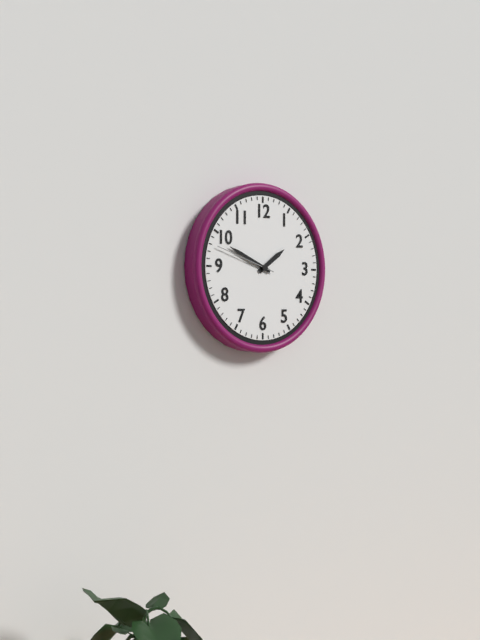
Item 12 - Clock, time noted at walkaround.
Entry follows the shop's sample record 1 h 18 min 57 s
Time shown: 1 h 49 min 48 s
